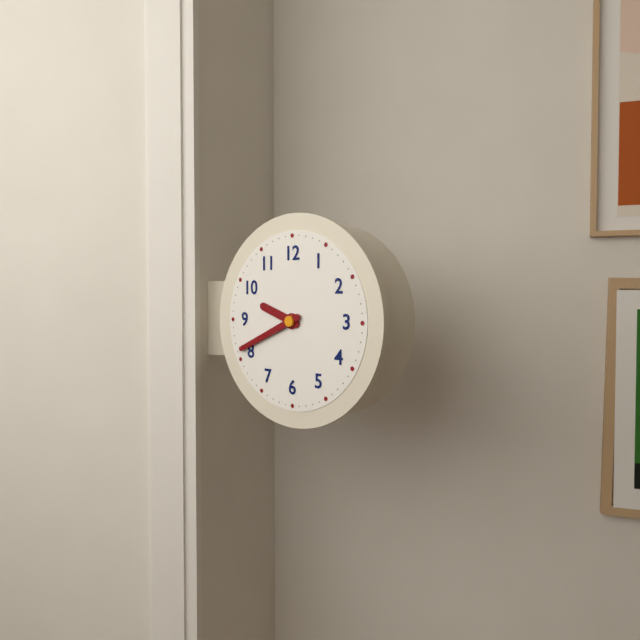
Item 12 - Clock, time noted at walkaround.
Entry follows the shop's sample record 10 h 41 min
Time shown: 9 h 41 min
